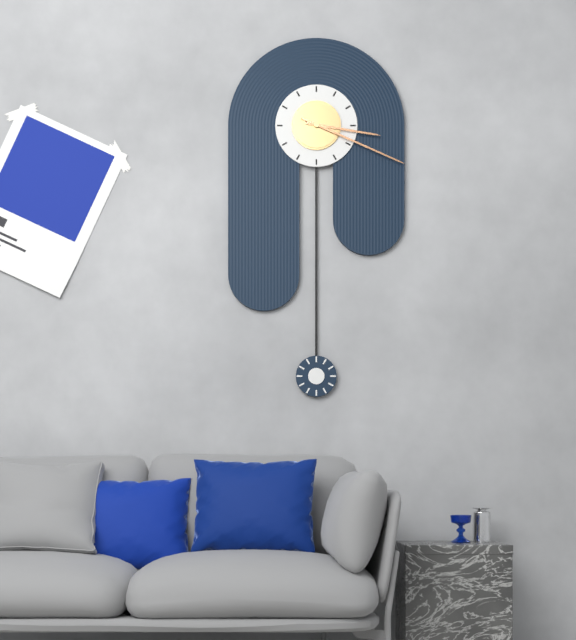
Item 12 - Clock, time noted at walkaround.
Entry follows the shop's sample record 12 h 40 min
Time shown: 3 h 19 min
